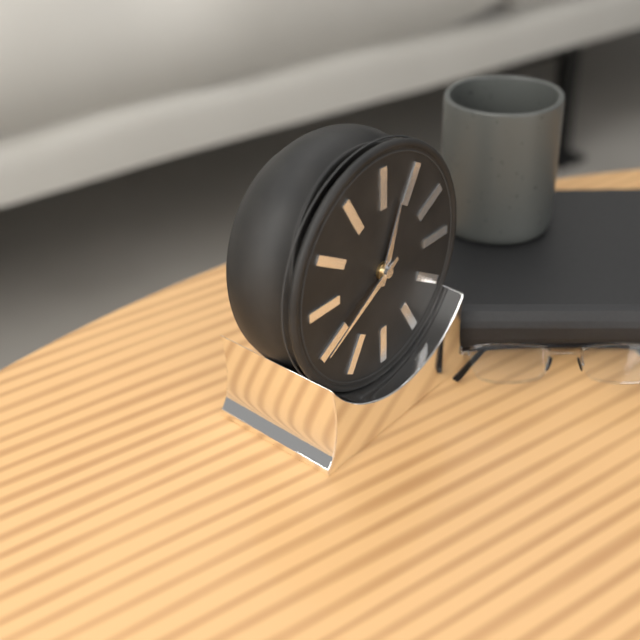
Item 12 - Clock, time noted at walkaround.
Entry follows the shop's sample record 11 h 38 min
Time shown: 12 h 40 min
